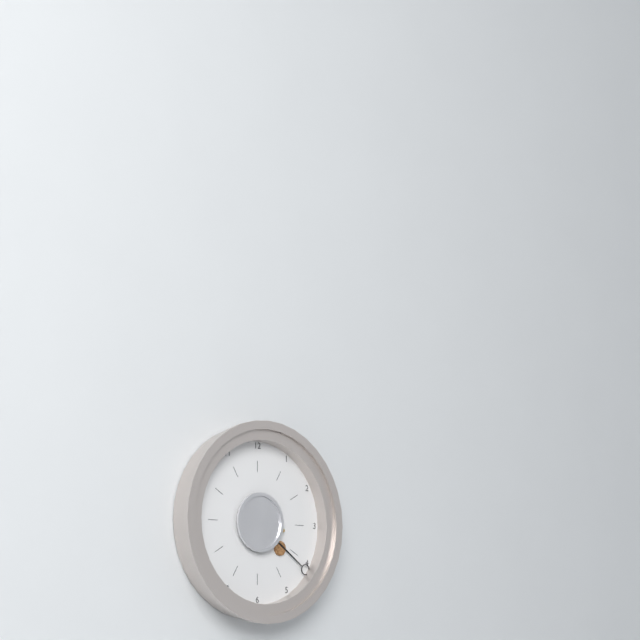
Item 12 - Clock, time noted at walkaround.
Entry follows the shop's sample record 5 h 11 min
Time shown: 4 h 21 min
